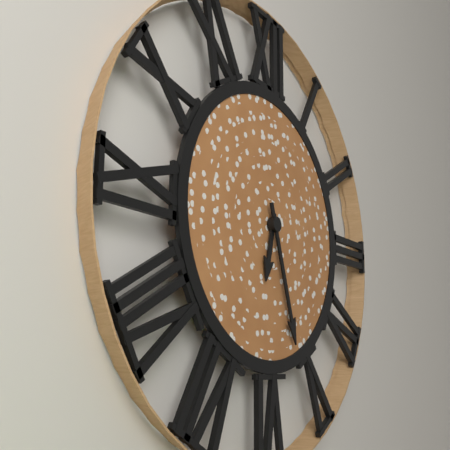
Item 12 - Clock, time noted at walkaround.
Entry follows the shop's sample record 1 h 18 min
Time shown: 6 h 27 min
